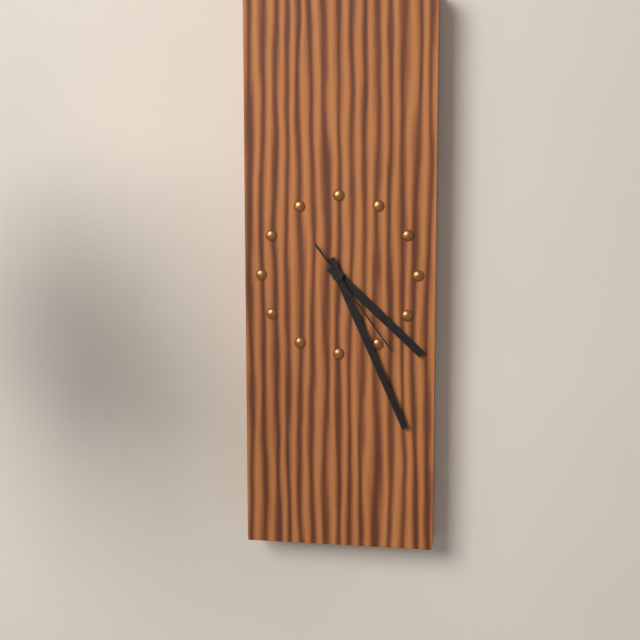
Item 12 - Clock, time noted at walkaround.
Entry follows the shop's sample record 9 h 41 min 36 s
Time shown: 4 h 26 min 24 s
